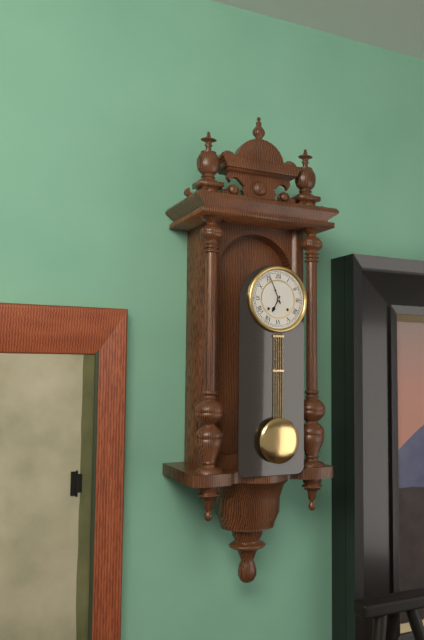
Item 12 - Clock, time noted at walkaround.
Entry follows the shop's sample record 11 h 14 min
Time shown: 6 h 56 min
